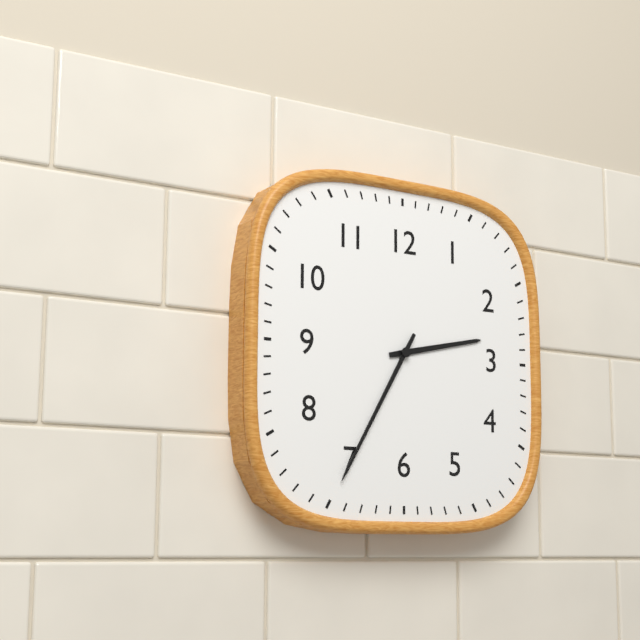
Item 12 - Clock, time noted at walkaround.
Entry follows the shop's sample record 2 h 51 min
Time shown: 2 h 35 min
